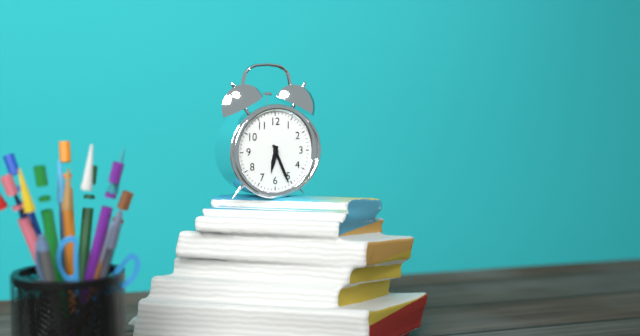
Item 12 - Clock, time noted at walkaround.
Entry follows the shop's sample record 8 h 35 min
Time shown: 6 h 26 min
